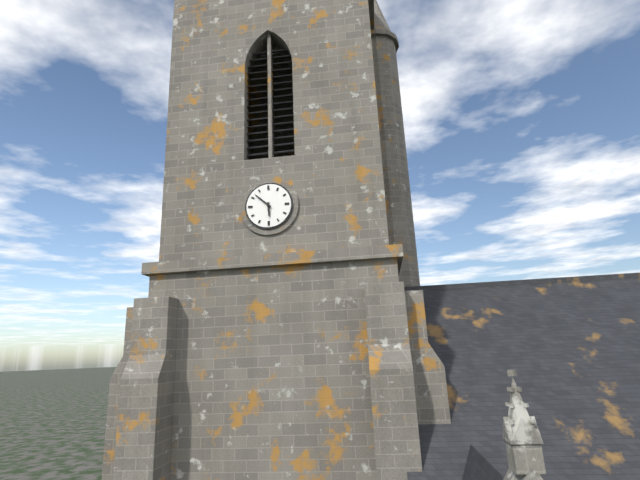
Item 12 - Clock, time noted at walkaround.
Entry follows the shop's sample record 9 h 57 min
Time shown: 5 h 52 min
